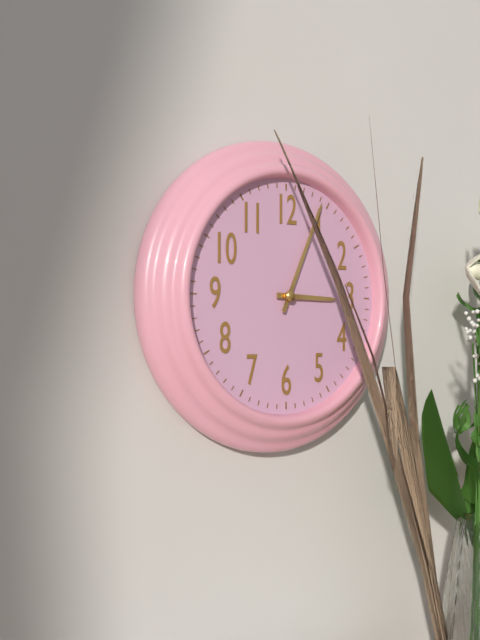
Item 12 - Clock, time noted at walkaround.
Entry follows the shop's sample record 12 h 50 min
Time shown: 3 h 04 min
